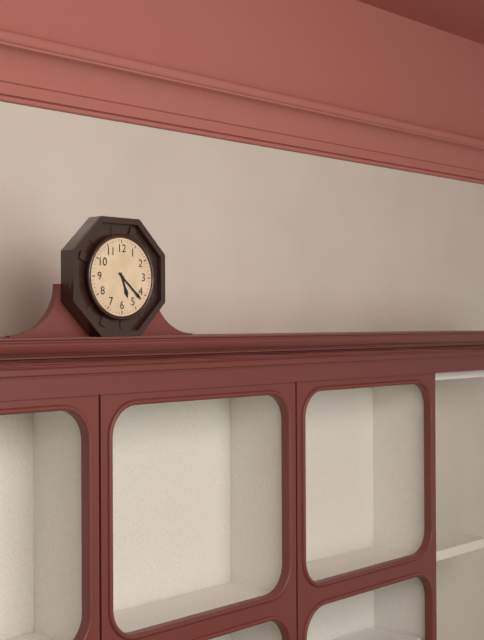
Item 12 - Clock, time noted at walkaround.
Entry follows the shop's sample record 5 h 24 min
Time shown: 5 h 22 min
